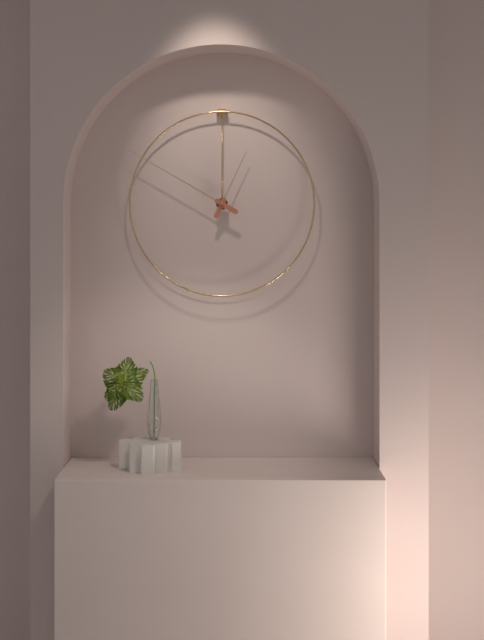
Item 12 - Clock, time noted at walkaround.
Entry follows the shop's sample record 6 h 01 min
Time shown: 12 h 50 min
